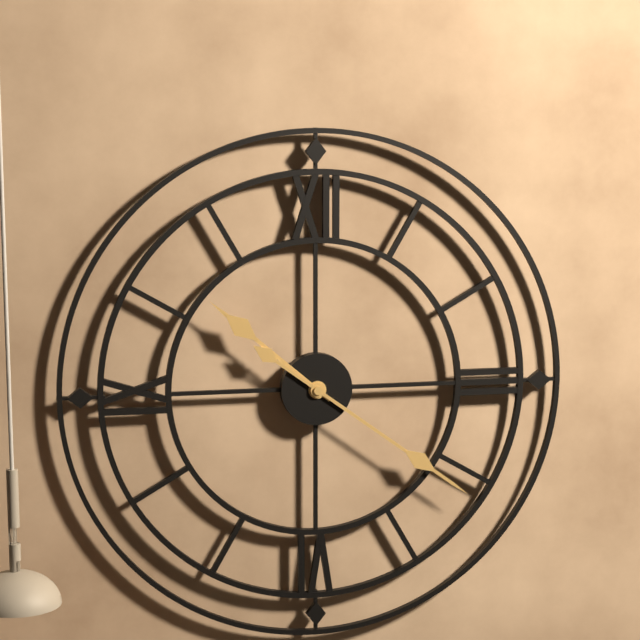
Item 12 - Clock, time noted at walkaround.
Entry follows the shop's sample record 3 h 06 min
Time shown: 10 h 21 min
